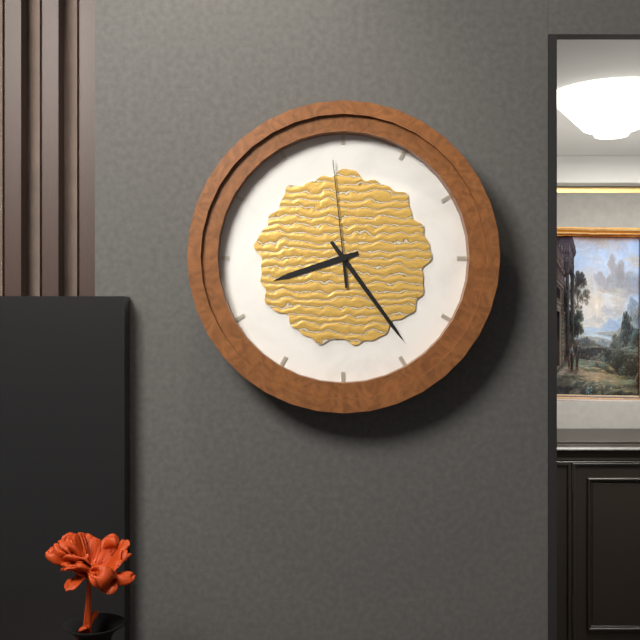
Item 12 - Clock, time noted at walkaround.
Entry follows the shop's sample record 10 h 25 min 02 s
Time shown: 8 h 24 min 59 s
